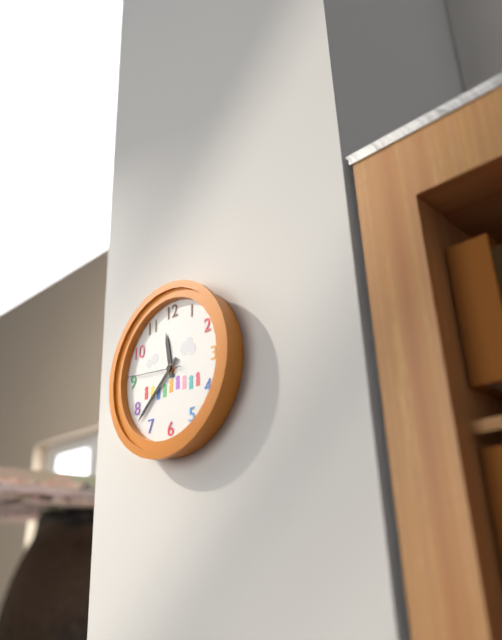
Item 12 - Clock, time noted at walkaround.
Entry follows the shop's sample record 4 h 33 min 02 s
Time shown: 11 h 38 min 46 s
